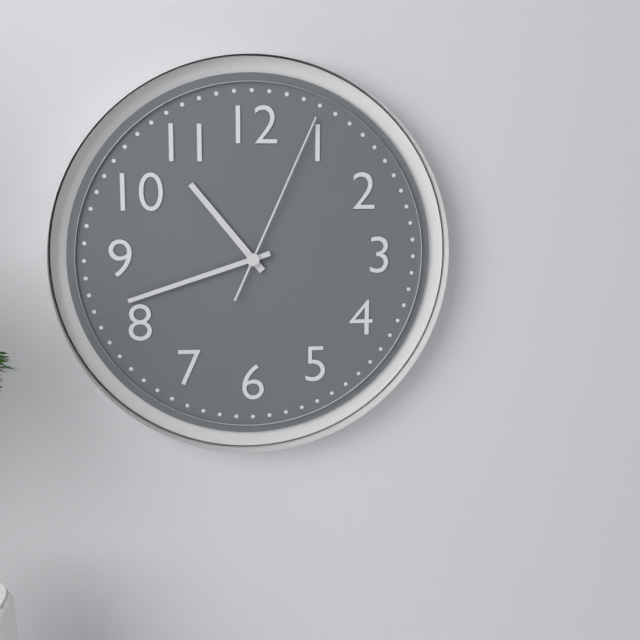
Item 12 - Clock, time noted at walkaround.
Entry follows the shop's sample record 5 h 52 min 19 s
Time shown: 10 h 42 min 04 s
